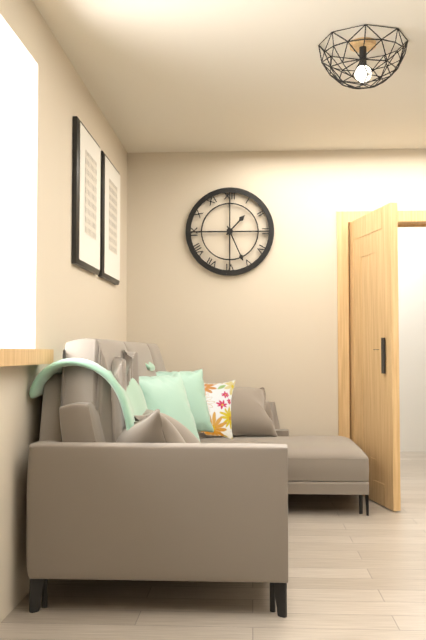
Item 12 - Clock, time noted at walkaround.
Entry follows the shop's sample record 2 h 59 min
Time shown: 1 h 26 min
